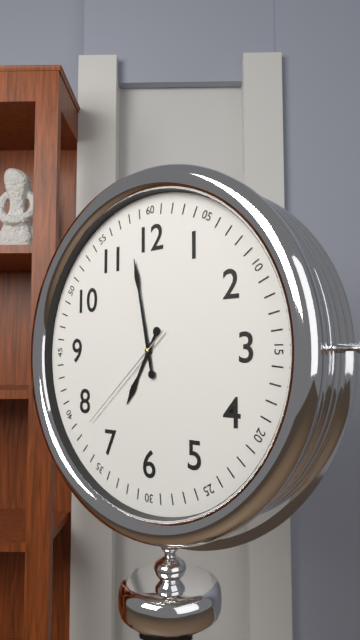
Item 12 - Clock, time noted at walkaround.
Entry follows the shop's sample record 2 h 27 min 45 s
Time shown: 6 h 58 min 38 s
